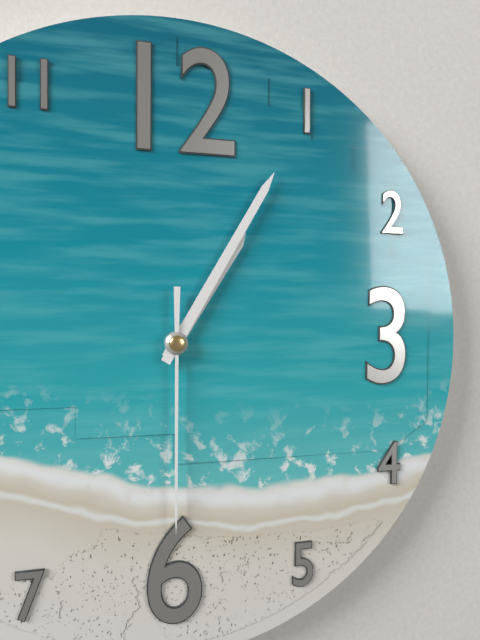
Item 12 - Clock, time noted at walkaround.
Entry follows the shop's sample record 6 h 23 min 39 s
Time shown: 1 h 05 min 30 s
